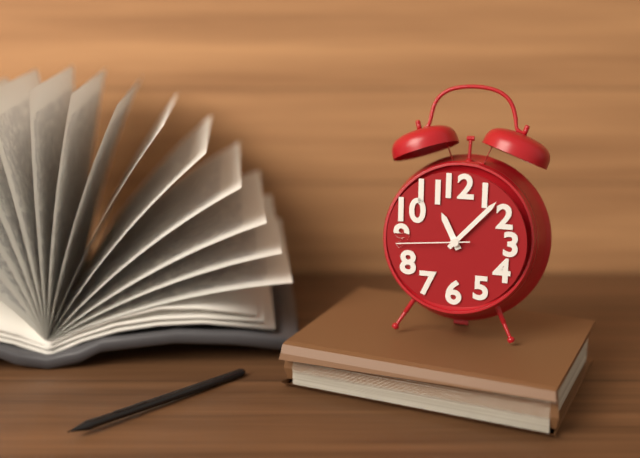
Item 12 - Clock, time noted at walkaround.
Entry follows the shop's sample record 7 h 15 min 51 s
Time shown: 11 h 07 min 44 s
